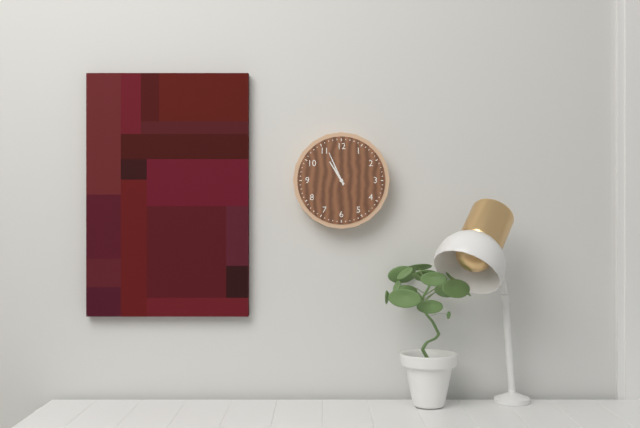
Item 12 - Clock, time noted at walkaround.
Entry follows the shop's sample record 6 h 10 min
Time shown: 10 h 56 min
